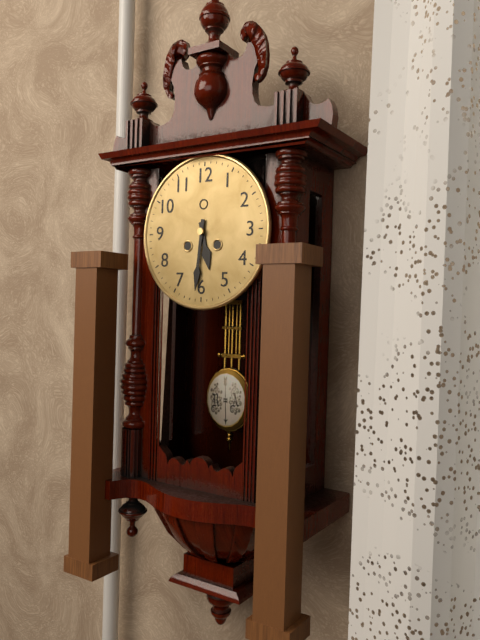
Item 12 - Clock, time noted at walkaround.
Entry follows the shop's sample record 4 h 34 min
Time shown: 5 h 31 min
